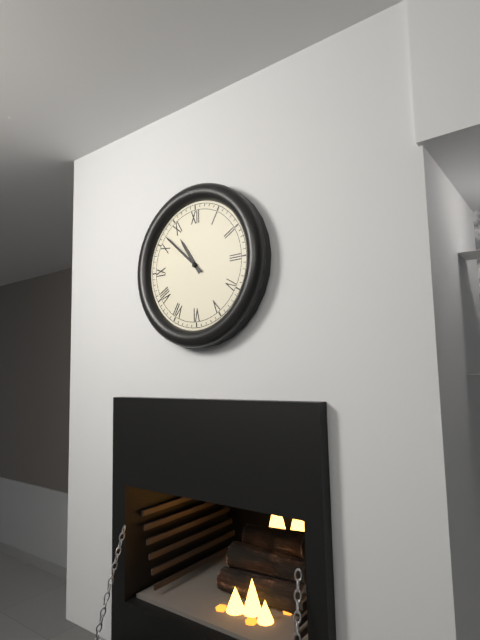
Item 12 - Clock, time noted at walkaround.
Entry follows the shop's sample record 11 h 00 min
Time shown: 10 h 52 min
